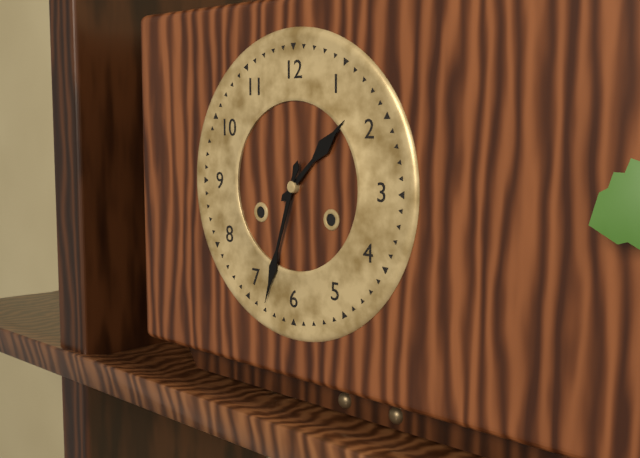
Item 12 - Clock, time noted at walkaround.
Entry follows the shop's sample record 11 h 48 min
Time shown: 1 h 33 min
